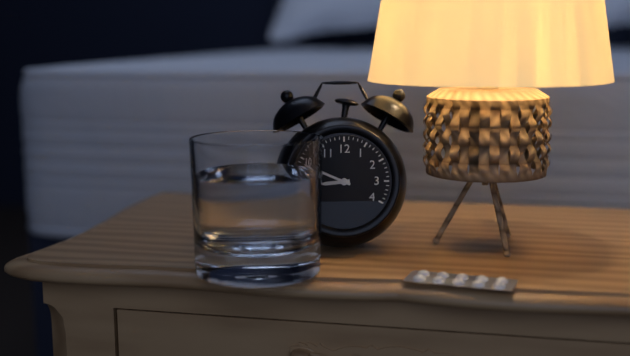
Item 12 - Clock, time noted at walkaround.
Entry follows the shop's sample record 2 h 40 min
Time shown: 8 h 49 min
